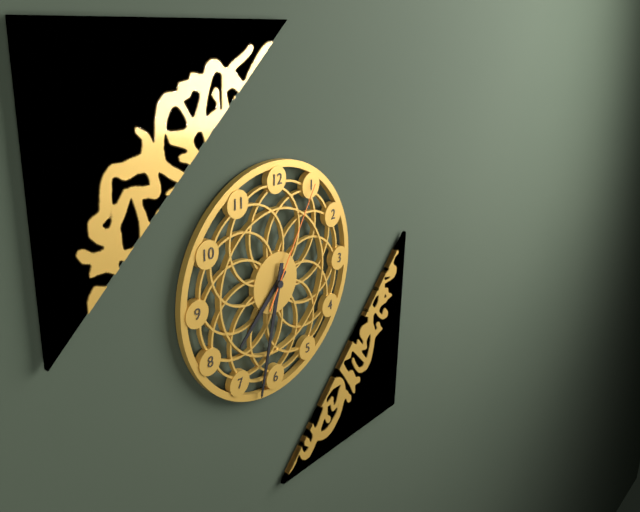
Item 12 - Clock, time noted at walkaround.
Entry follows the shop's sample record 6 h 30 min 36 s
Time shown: 7 h 32 min 05 s
